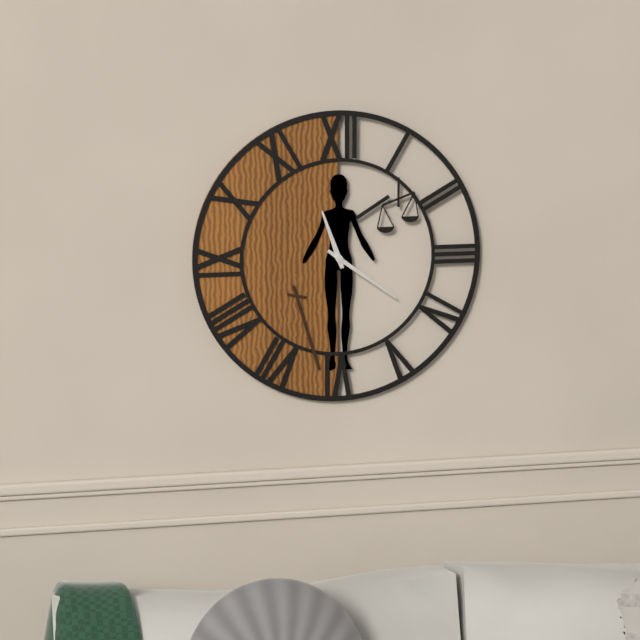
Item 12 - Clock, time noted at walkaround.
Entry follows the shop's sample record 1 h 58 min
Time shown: 11 h 21 min
